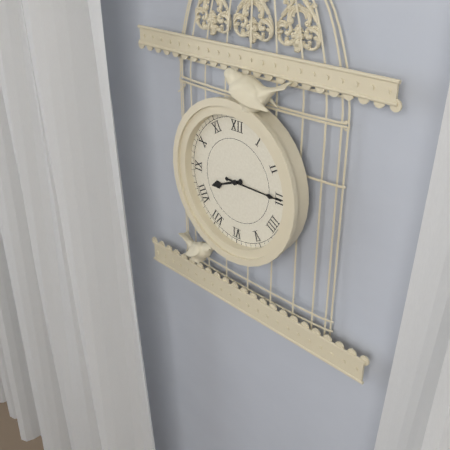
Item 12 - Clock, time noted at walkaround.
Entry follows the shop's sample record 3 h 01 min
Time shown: 8 h 15 min
